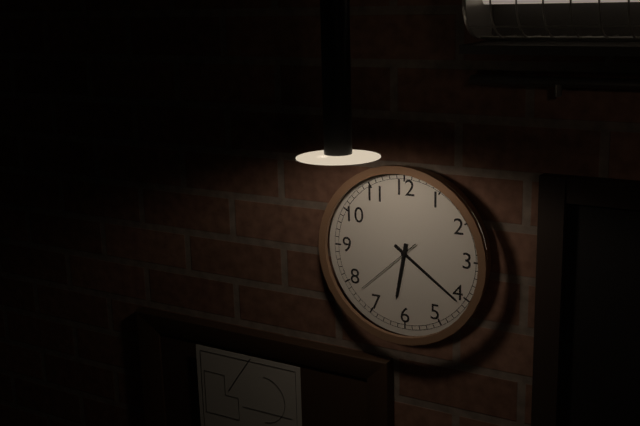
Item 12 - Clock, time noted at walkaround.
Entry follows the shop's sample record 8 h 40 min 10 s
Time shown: 6 h 21 min 38 s
